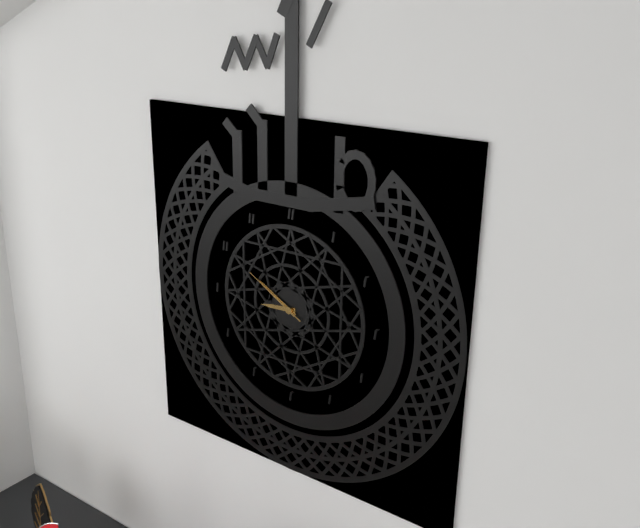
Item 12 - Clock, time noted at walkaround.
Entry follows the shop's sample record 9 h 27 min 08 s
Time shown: 8 h 50 min 50 s
